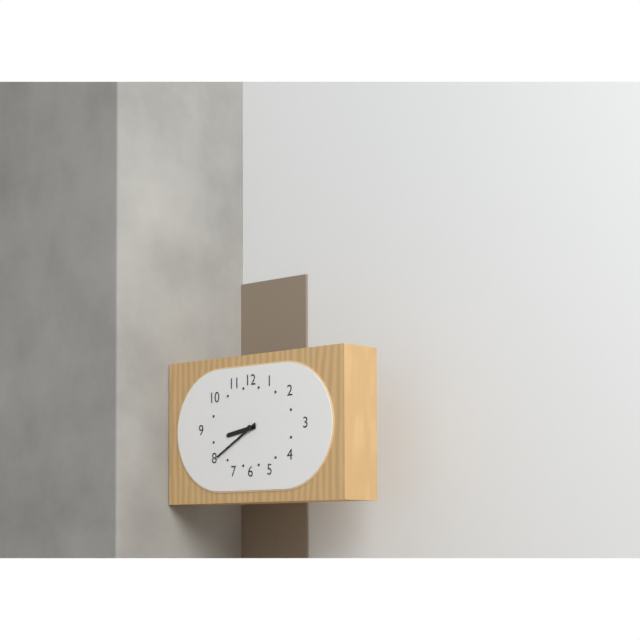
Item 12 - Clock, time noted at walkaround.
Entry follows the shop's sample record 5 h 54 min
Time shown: 8 h 40 min
